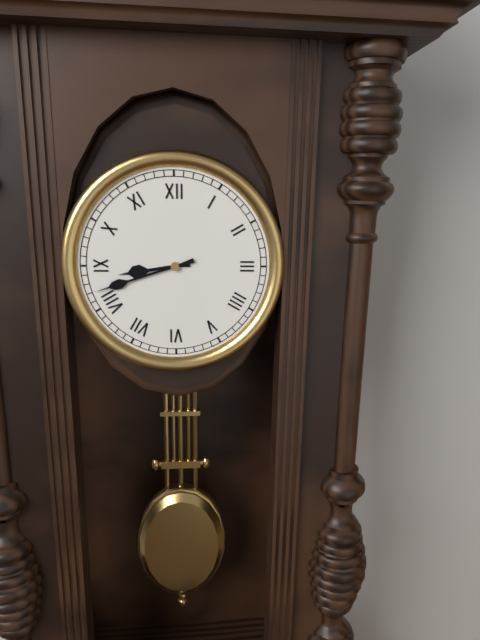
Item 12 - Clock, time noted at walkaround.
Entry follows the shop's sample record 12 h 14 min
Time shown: 8 h 42 min
